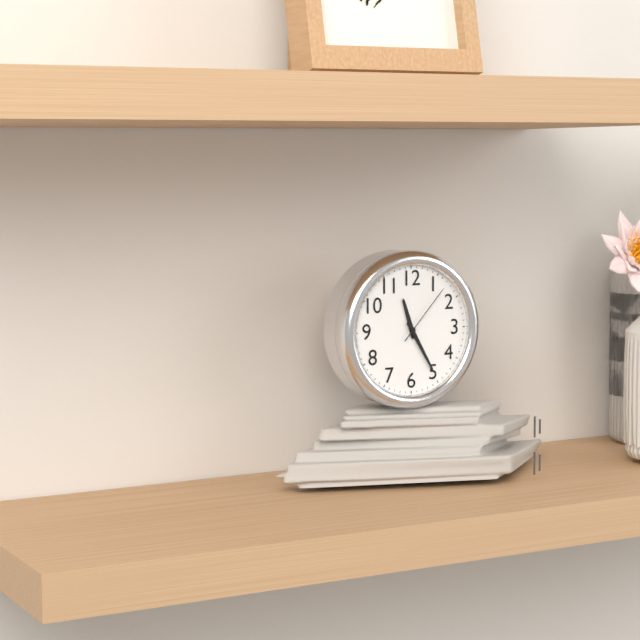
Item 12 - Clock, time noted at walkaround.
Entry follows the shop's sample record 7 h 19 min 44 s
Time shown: 11 h 25 min 07 s
